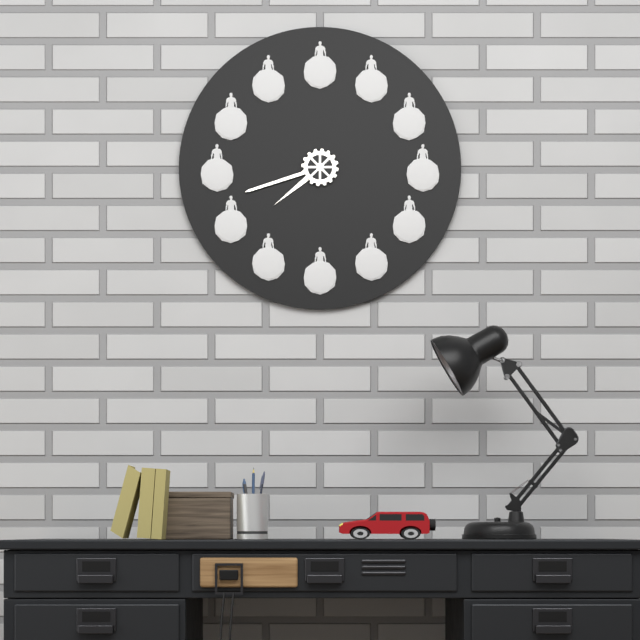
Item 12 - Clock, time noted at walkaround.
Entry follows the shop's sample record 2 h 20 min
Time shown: 7 h 42 min
